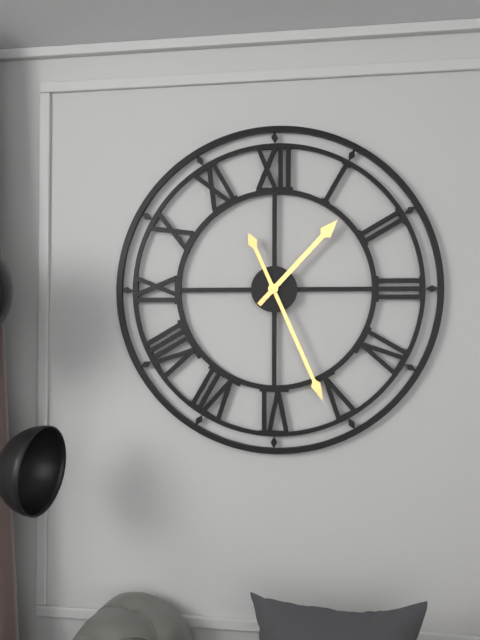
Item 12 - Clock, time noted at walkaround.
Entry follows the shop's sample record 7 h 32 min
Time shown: 1 h 26 min
